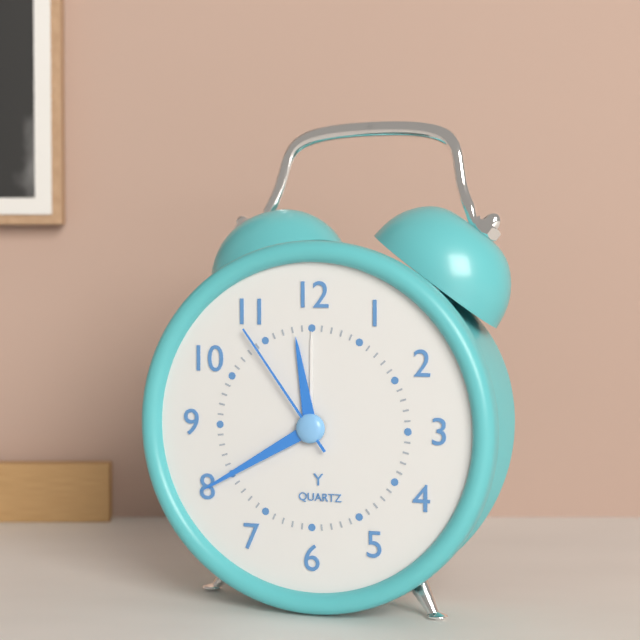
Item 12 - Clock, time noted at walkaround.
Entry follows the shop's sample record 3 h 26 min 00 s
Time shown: 11 h 40 min 54 s
